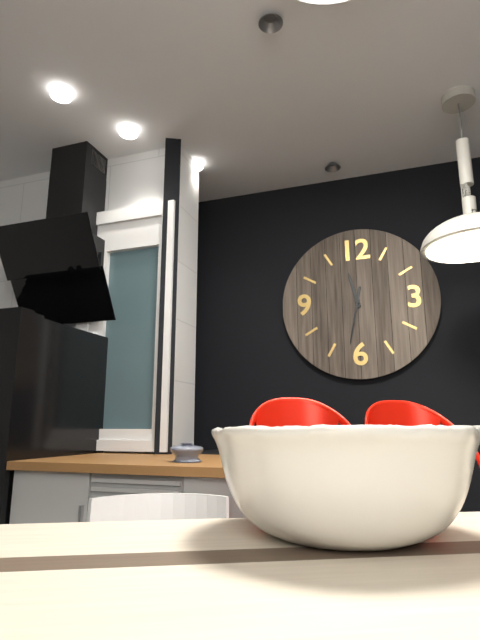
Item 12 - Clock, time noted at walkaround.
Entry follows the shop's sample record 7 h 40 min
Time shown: 11 h 32 min
